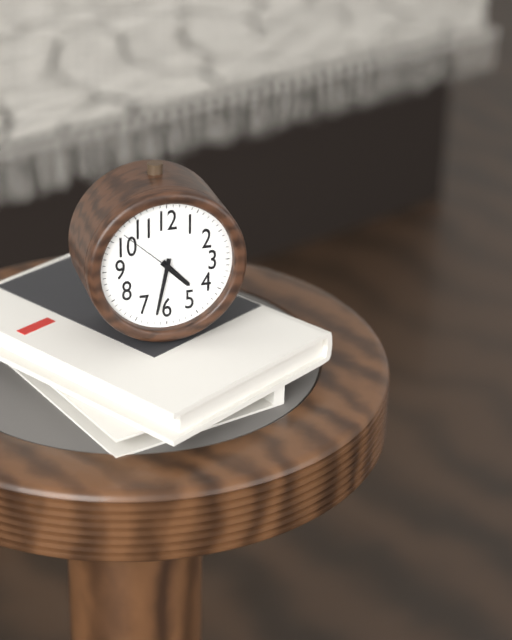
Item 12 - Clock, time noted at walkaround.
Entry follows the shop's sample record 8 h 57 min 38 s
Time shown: 4 h 32 min 52 s
